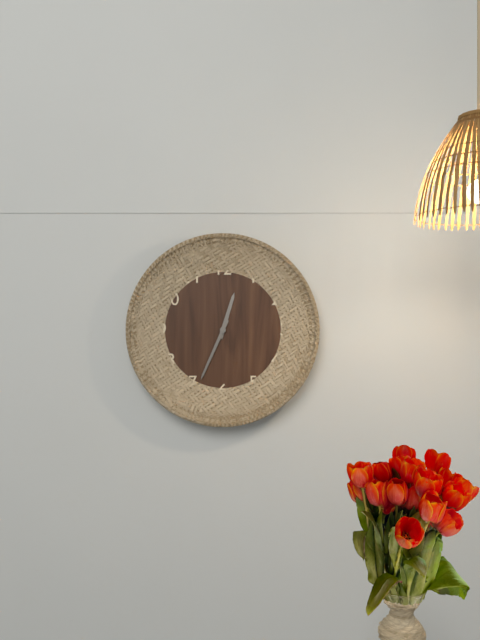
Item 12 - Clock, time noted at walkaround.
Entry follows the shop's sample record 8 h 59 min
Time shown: 12 h 34 min
